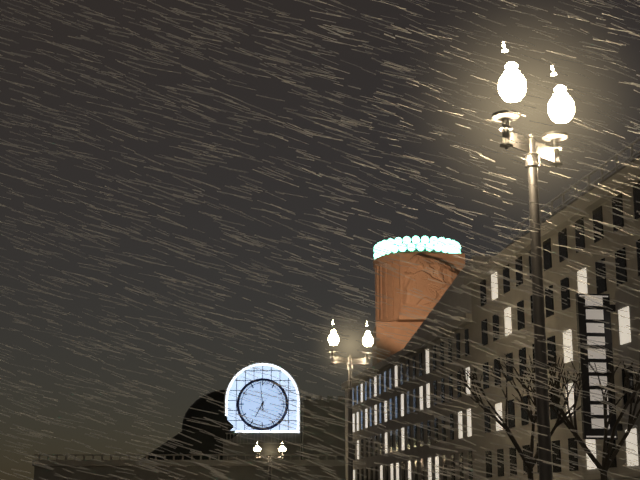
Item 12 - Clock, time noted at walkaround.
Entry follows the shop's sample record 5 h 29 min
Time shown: 6 h 59 min
